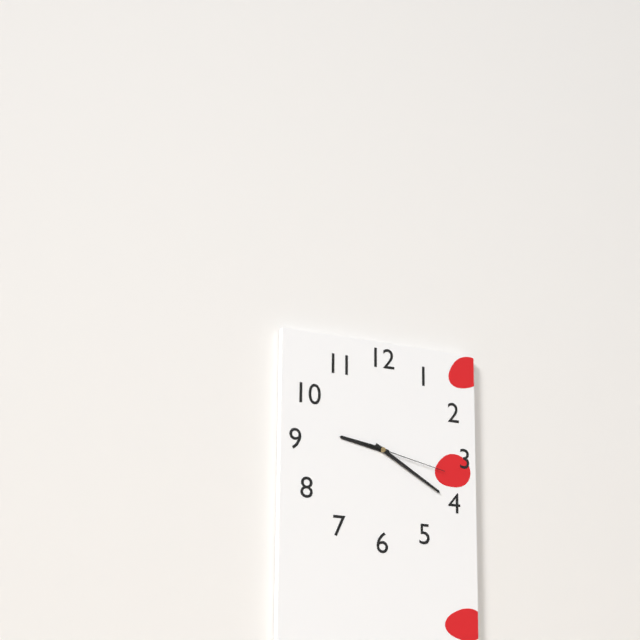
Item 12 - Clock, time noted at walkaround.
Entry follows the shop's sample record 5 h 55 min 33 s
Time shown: 9 h 20 min 17 s
